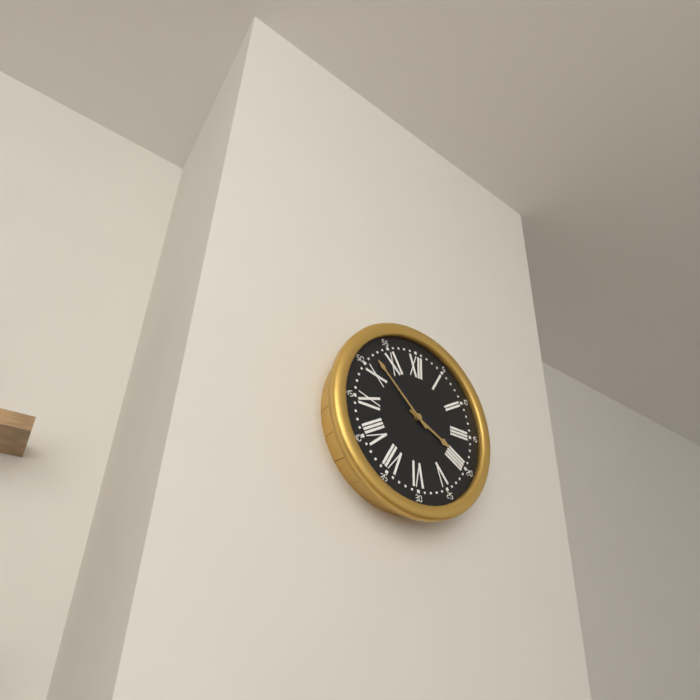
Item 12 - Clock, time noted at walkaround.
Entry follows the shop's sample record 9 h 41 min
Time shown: 3 h 52 min
